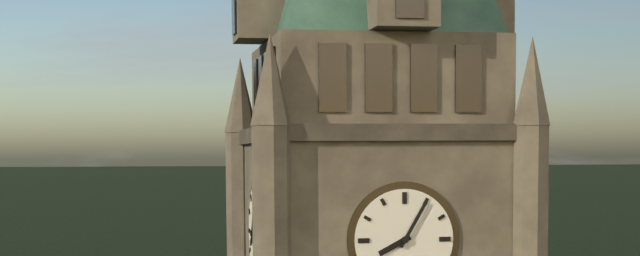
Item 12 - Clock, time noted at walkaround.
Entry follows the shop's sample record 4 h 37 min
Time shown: 8 h 05 min
